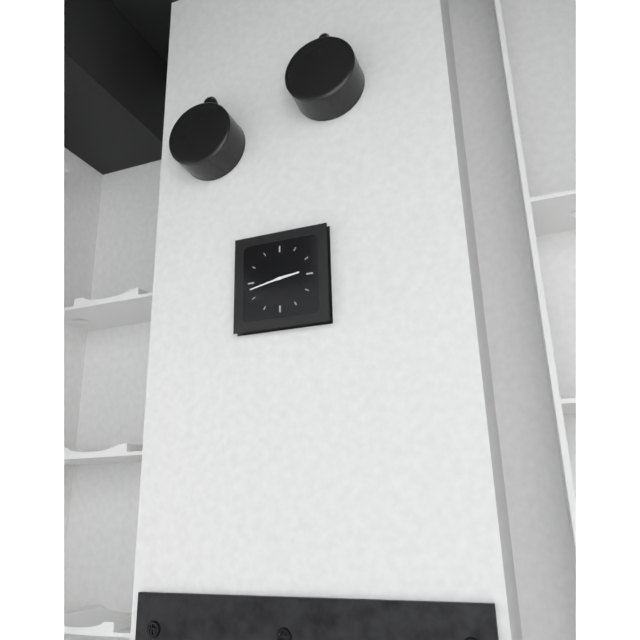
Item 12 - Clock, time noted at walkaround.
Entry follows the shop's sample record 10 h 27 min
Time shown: 2 h 43 min
